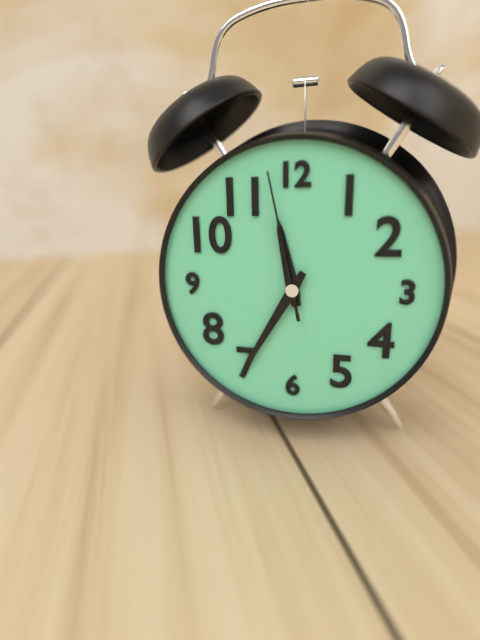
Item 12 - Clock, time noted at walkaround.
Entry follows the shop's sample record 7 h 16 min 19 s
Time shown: 11 h 35 min 58 s
